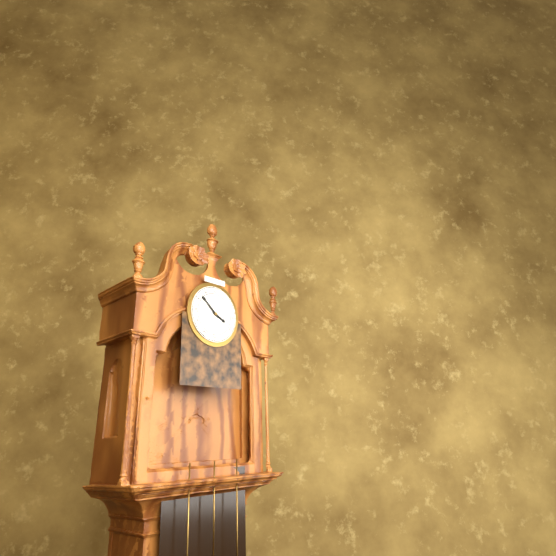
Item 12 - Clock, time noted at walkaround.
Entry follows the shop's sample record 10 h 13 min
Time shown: 3 h 52 min
